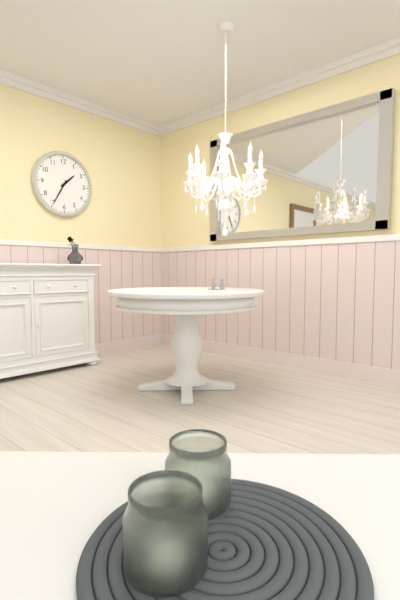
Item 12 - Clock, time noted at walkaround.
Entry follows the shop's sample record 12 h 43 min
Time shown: 1 h 35 min
